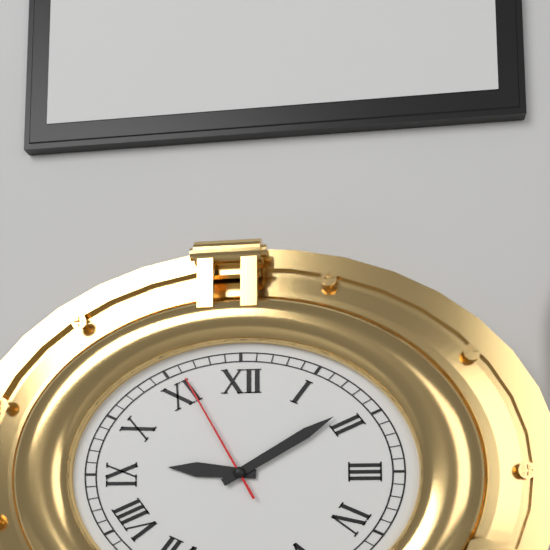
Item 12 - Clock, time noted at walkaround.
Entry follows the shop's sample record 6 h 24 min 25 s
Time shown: 9 h 10 min 55 s
